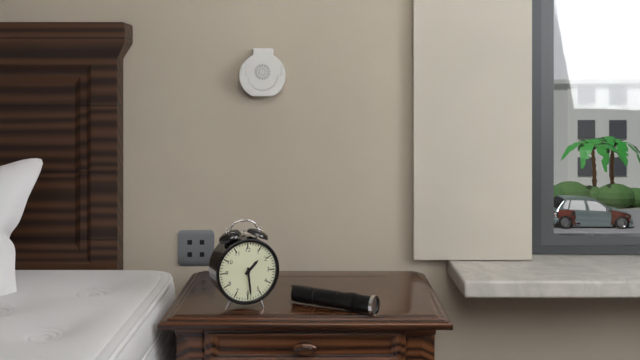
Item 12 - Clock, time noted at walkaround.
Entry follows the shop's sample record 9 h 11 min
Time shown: 1 h 29 min
